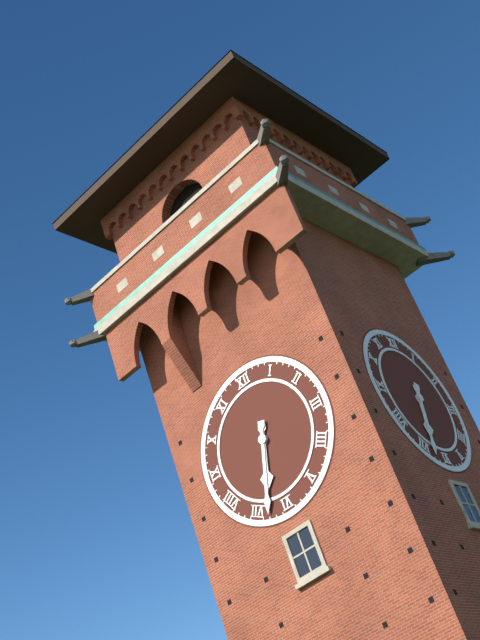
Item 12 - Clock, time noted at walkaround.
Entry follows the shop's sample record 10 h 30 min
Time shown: 6 h 33 min
